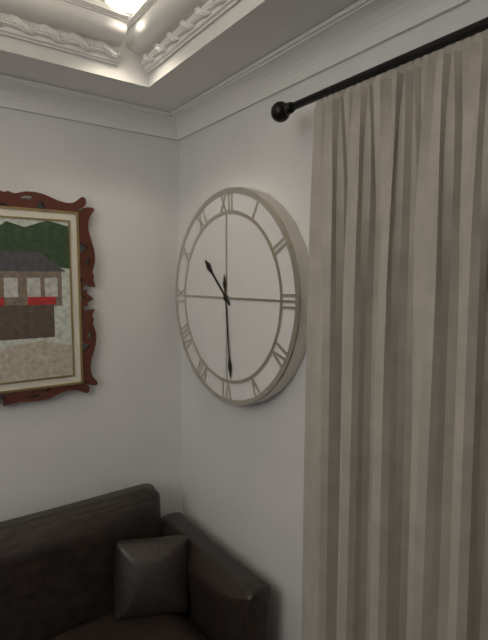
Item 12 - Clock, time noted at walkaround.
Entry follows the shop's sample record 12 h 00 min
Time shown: 10 h 29 min
